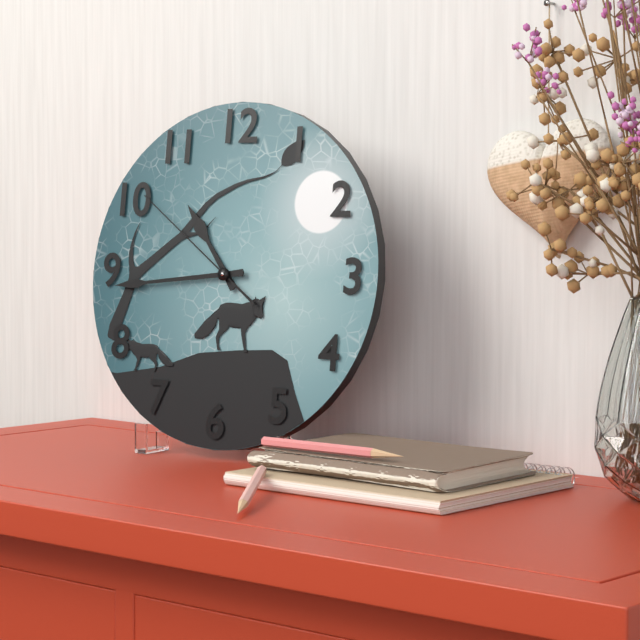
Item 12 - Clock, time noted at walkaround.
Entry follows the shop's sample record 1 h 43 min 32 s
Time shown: 10 h 44 min 51 s
